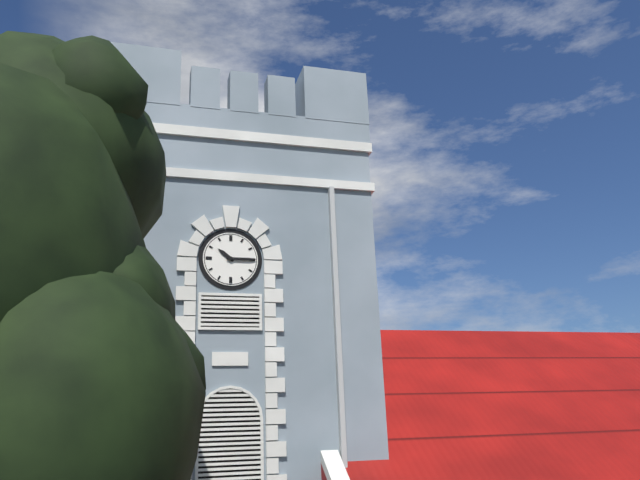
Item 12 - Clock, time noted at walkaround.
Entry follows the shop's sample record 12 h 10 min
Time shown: 10 h 15 min
